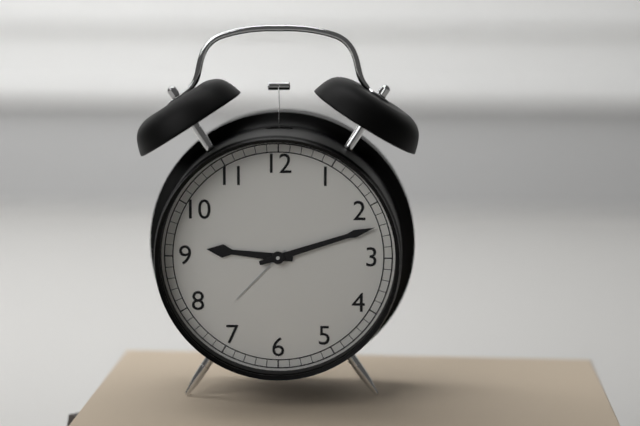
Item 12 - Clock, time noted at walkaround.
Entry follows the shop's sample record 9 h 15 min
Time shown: 9 h 12 min
